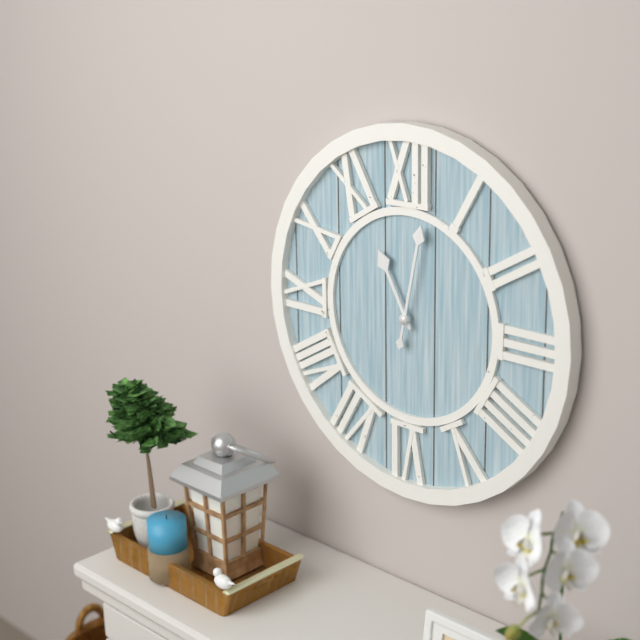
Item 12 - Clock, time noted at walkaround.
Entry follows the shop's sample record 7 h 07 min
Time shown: 11 h 02 min
